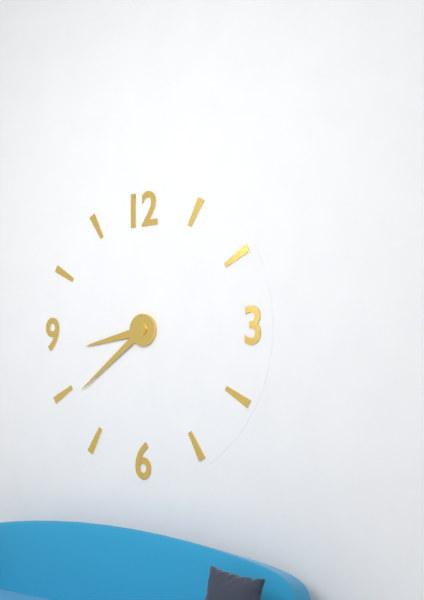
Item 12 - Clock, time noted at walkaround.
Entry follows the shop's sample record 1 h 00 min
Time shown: 8 h 39 min
